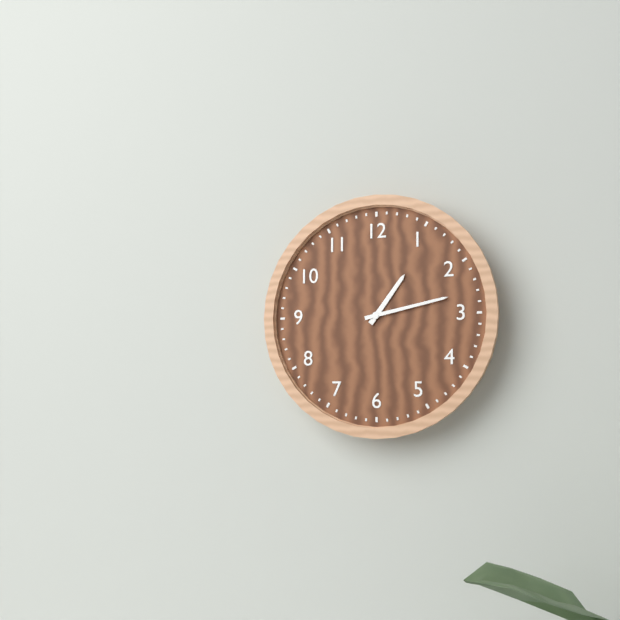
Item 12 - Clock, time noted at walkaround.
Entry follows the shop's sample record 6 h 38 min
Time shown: 1 h 13 min
